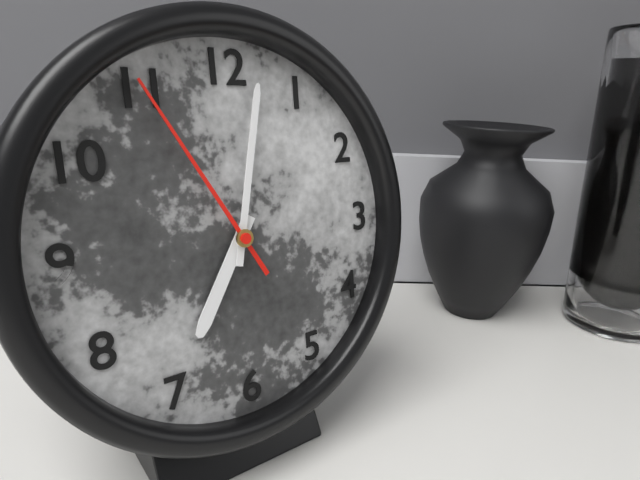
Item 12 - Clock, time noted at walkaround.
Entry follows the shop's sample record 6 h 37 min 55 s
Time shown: 7 h 02 min 55 s
